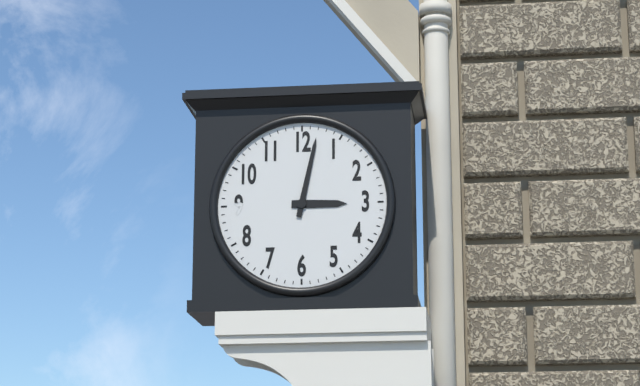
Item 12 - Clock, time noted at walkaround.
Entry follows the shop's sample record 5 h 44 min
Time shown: 3 h 02 min
